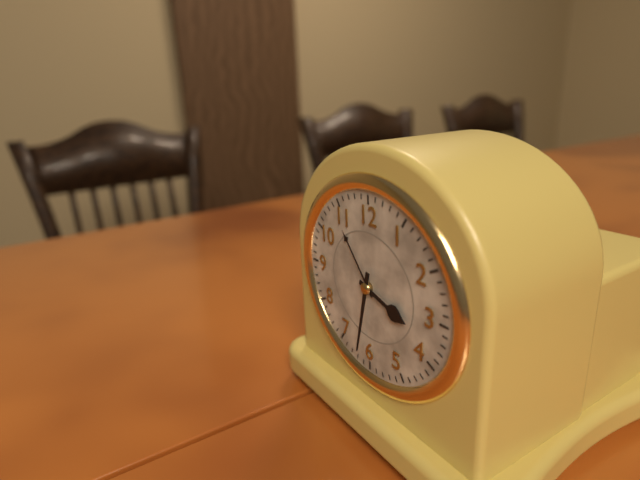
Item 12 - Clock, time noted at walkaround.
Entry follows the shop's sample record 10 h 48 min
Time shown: 3 h 32 min
